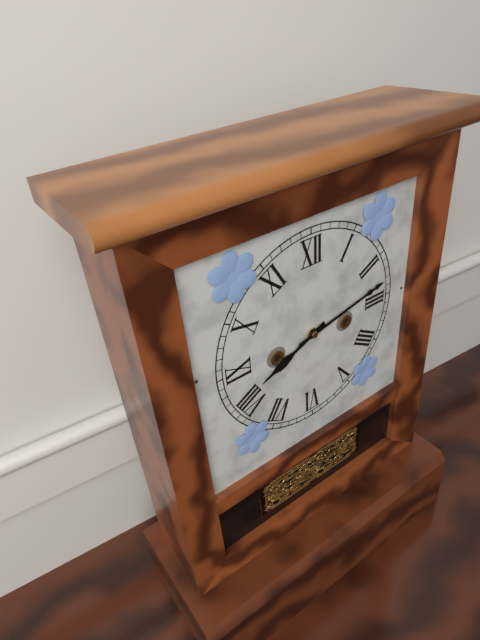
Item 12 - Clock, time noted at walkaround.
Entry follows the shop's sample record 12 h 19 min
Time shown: 8 h 13 min
